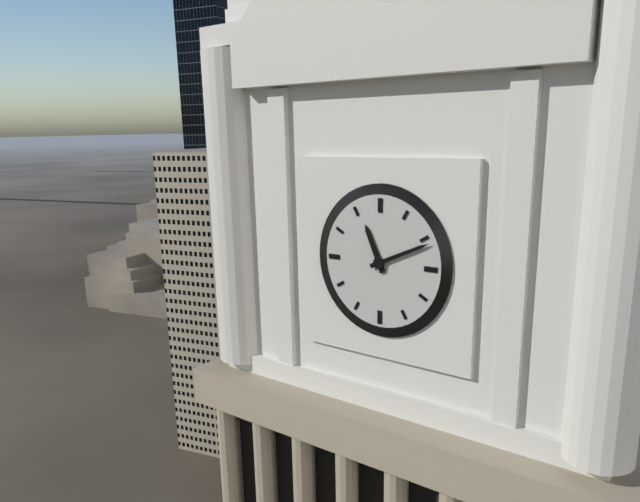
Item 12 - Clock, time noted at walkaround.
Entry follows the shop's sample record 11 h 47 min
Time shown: 11 h 11 min
